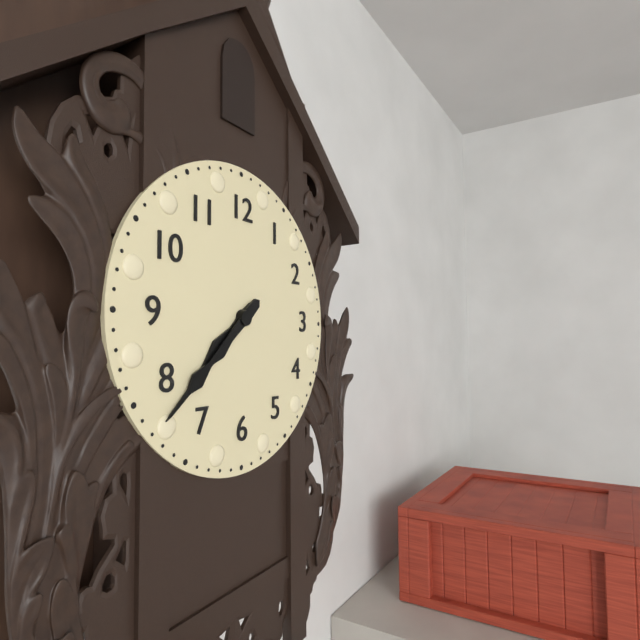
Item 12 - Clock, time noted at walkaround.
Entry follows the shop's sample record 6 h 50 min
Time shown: 7 h 38 min
